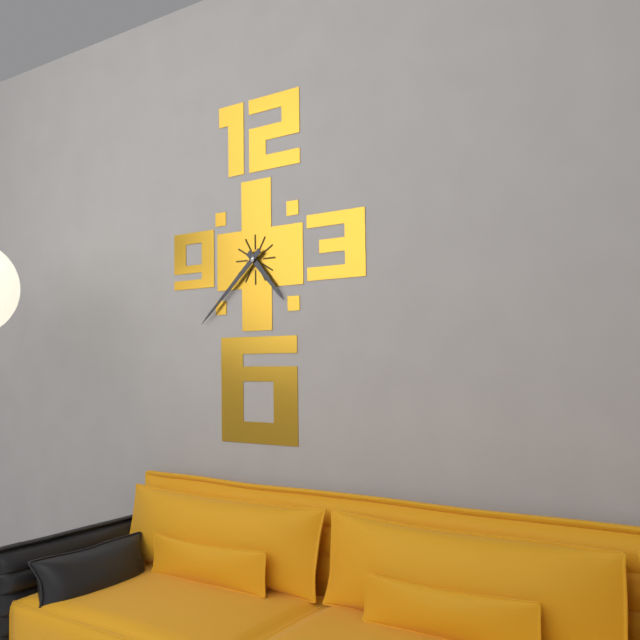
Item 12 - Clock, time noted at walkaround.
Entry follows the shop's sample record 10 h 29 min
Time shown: 4 h 38 min
